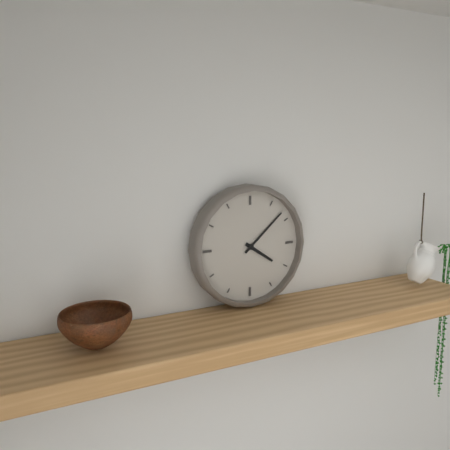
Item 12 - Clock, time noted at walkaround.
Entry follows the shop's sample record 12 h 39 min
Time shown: 4 h 08 min
